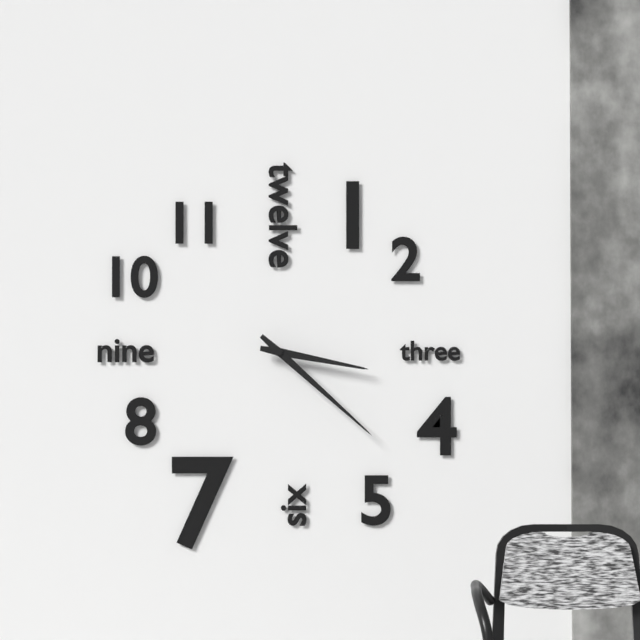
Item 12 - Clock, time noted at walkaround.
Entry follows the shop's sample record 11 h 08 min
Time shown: 3 h 22 min
